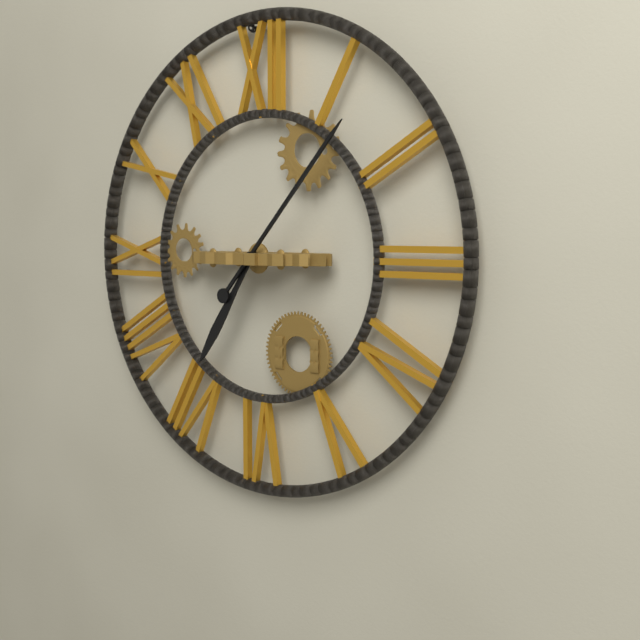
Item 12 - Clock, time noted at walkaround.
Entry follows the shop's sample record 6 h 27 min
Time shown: 7 h 07 min
